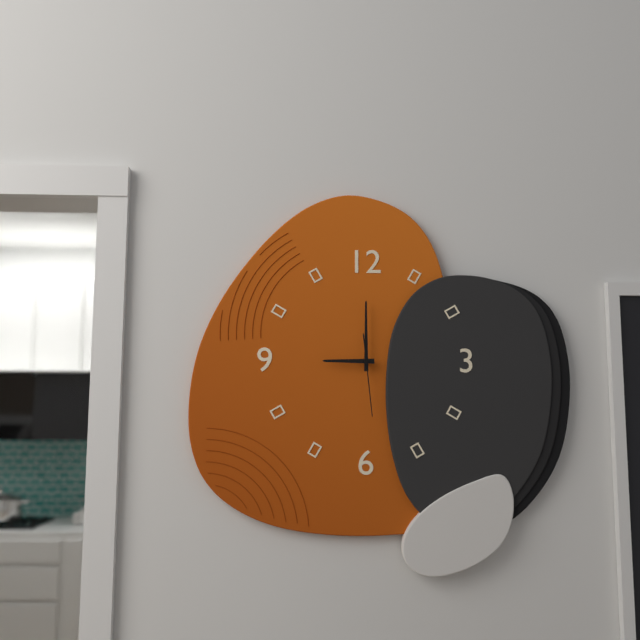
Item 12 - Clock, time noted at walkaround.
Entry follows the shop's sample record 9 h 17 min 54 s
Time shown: 9 h 00 min 29 s
